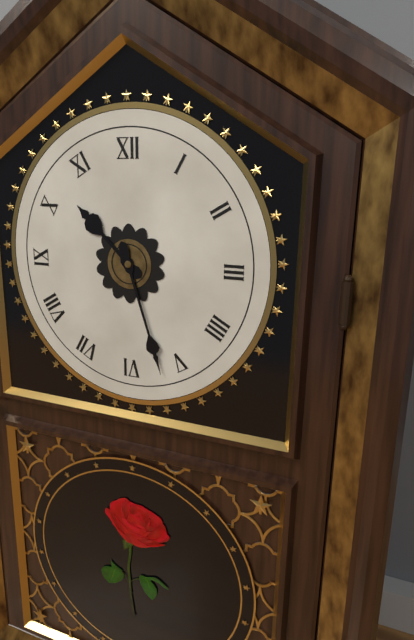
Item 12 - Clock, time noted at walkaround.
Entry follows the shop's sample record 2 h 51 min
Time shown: 10 h 27 min
